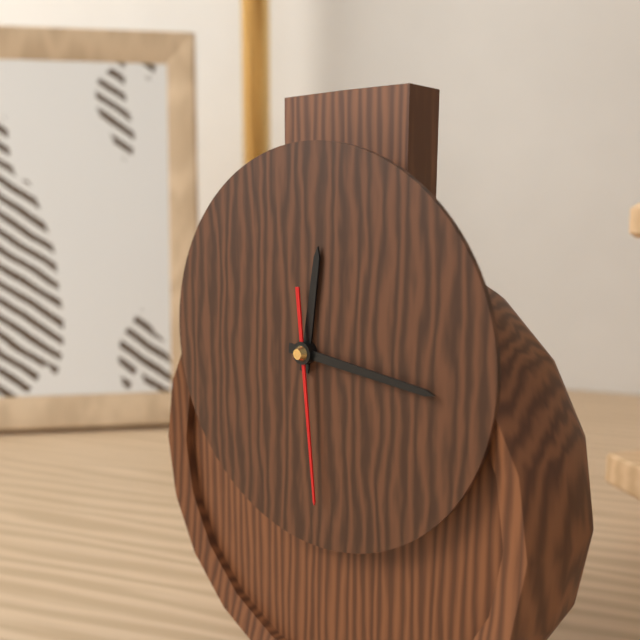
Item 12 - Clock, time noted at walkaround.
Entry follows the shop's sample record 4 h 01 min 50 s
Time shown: 12 h 16 min 29 s
